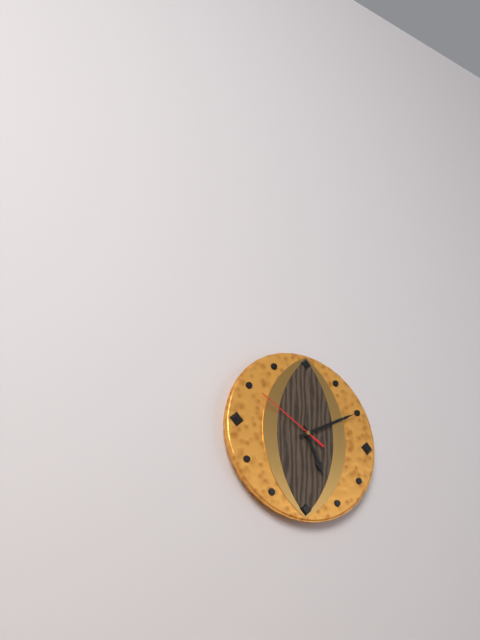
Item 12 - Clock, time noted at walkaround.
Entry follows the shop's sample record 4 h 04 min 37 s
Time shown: 5 h 10 min 50 s
